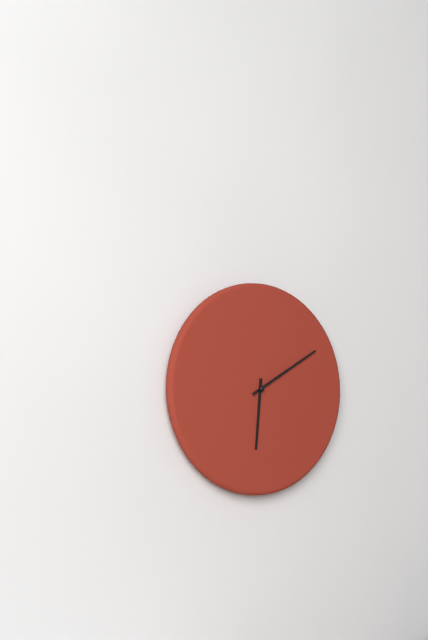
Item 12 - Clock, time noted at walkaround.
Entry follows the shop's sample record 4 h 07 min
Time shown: 6 h 10 min
